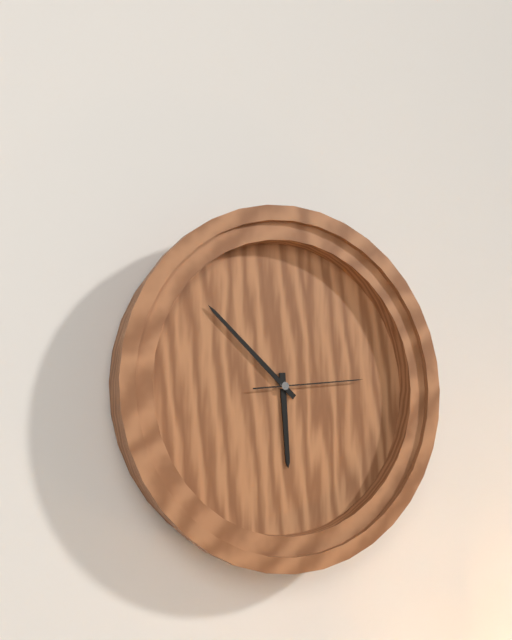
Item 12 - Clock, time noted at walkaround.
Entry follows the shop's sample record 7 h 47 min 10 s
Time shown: 5 h 52 min 14 s
